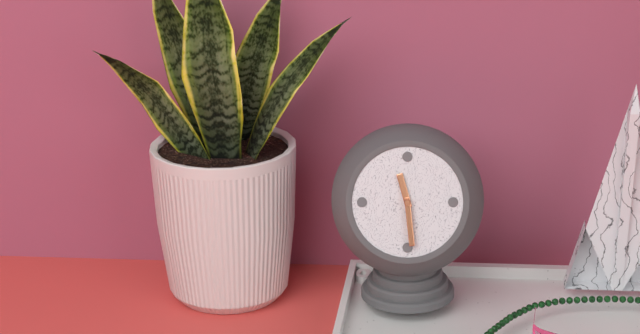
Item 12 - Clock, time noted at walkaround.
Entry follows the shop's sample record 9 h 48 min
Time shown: 11 h 29 min
